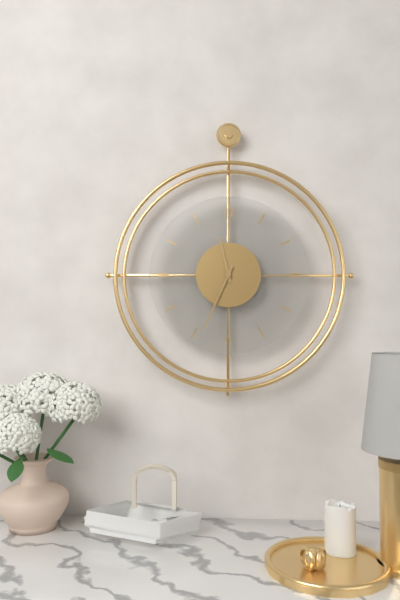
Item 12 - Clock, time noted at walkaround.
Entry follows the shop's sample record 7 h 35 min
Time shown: 11 h 34 min
